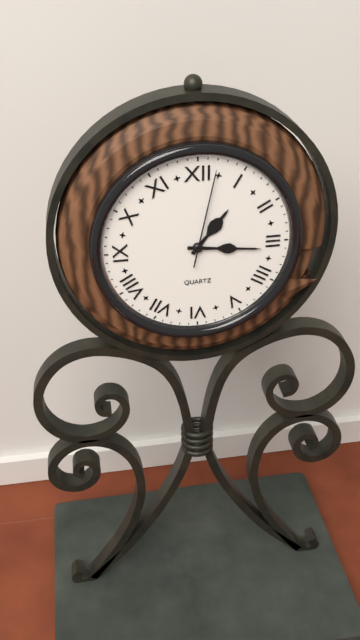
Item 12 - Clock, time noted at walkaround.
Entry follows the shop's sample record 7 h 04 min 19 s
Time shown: 1 h 16 min 02 s
